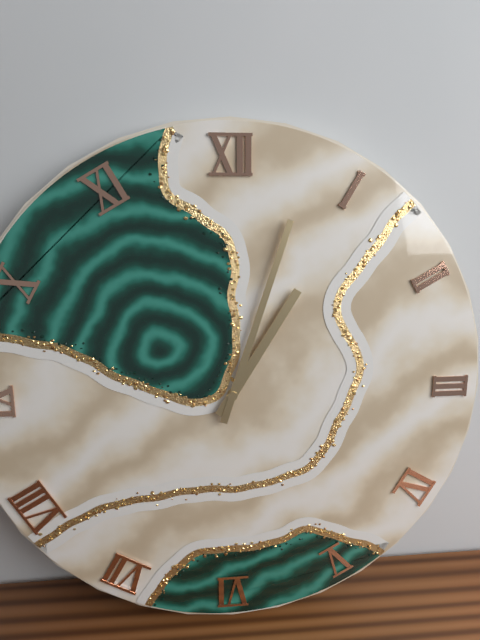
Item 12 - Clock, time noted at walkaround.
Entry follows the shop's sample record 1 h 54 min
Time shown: 1 h 03 min
